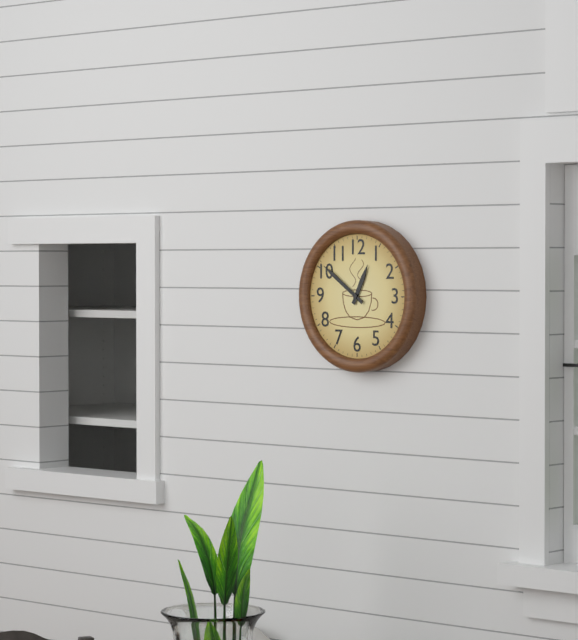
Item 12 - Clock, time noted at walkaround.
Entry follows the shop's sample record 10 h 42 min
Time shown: 12 h 51 min
